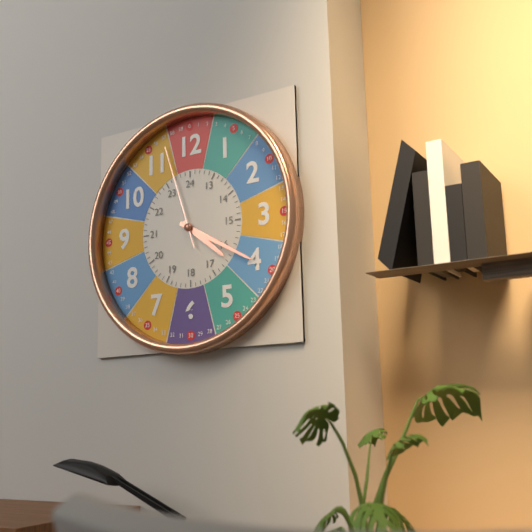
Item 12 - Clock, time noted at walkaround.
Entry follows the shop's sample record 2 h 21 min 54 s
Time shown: 4 h 20 min 57 s
